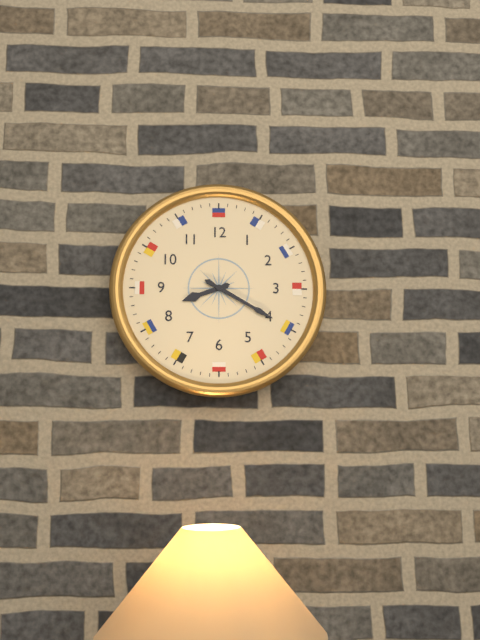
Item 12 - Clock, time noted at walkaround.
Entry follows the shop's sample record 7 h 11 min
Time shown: 8 h 20 min
